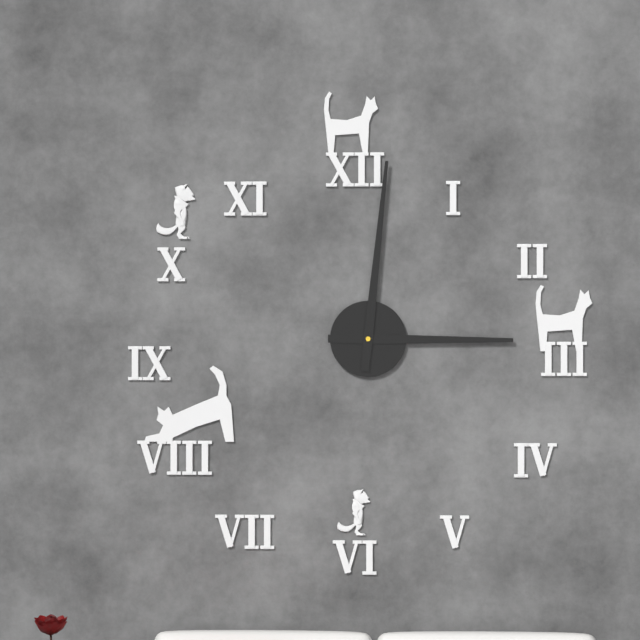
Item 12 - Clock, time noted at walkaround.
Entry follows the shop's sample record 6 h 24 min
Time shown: 3 h 01 min
